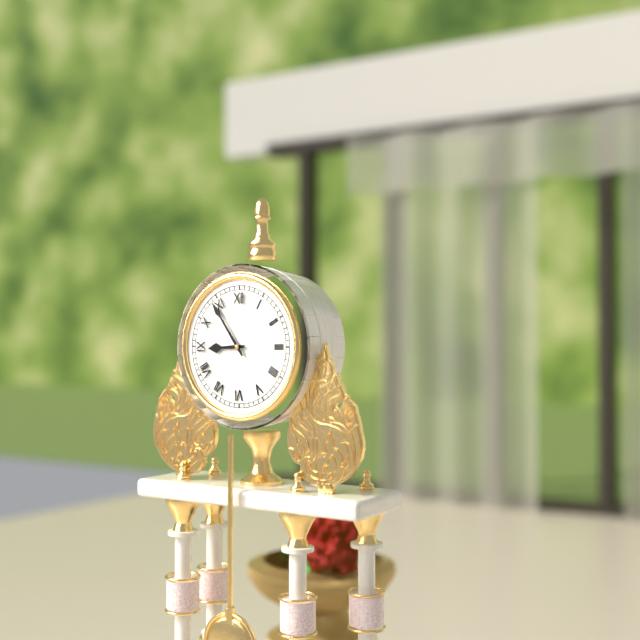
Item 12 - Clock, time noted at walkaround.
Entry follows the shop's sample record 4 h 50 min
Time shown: 8 h 54 min
